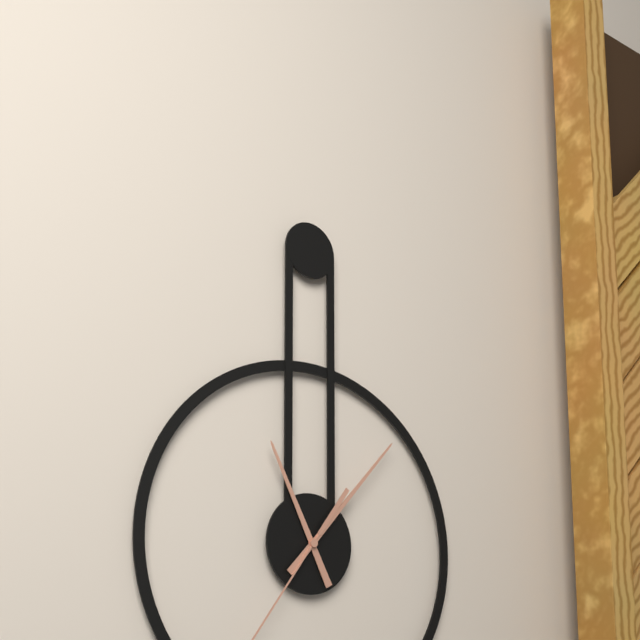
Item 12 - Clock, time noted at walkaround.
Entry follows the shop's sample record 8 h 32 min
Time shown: 11 h 07 min
